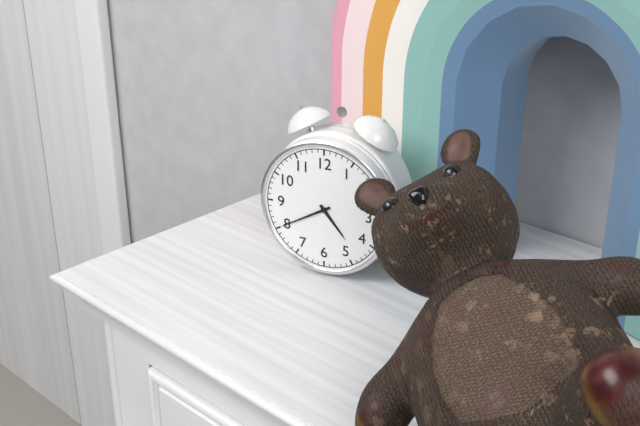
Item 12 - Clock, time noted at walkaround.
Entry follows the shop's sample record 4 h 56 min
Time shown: 4 h 40 min
